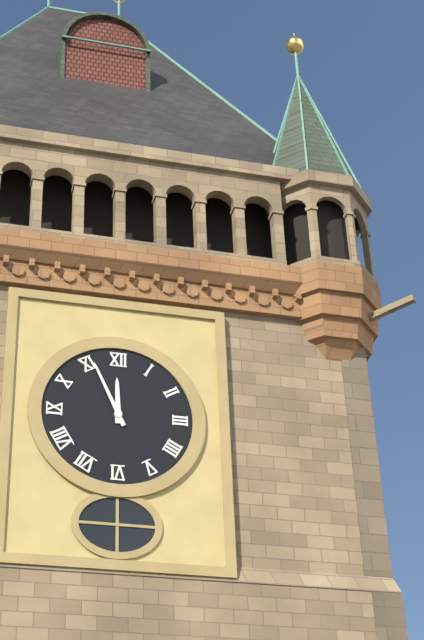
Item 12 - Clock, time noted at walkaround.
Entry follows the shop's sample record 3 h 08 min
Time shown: 11 h 56 min
